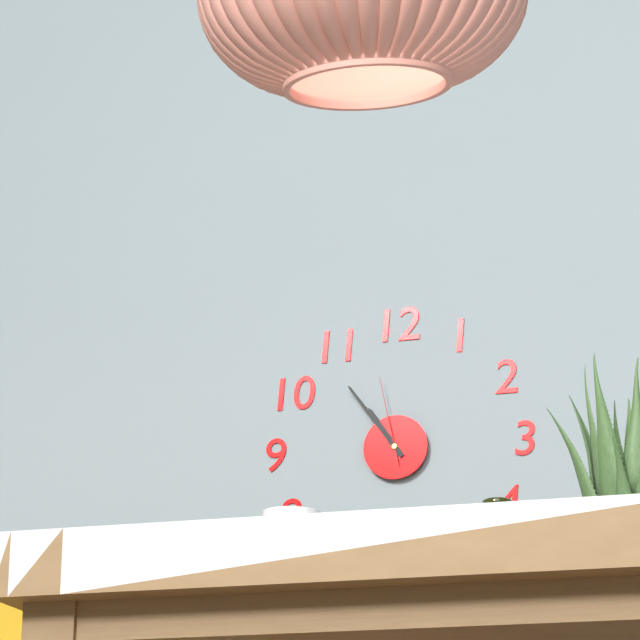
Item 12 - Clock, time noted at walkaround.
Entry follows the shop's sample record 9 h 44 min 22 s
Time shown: 10 h 54 min 58 s
